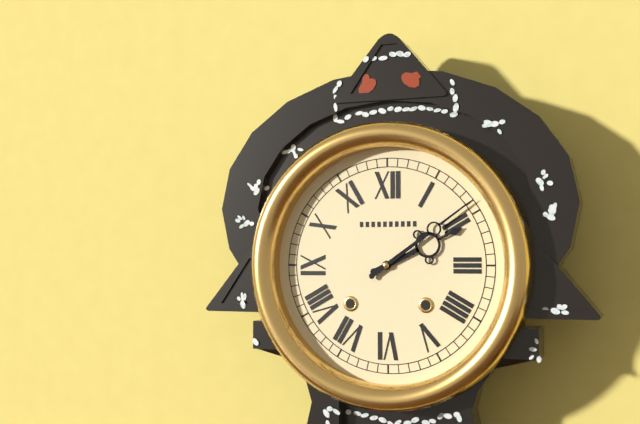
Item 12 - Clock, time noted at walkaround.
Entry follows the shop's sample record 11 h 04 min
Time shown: 2 h 09 min
